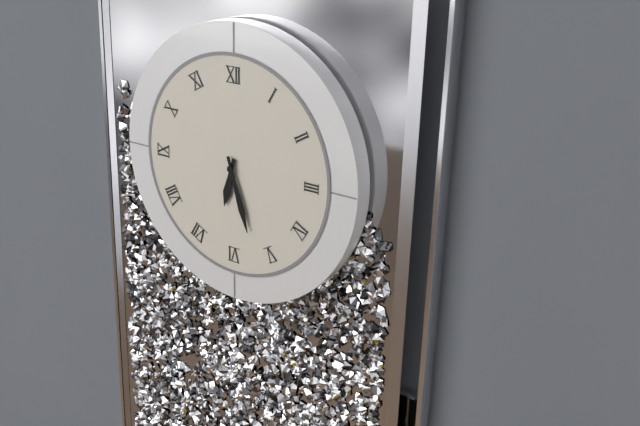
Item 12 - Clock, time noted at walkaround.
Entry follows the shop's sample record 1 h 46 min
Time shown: 6 h 27 min
